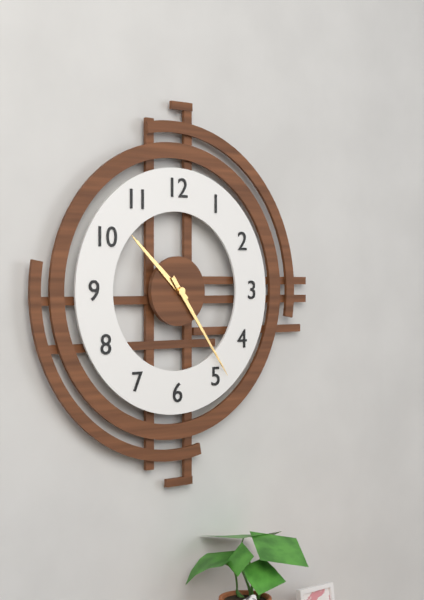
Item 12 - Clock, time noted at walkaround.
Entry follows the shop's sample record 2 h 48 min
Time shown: 10 h 24 min
